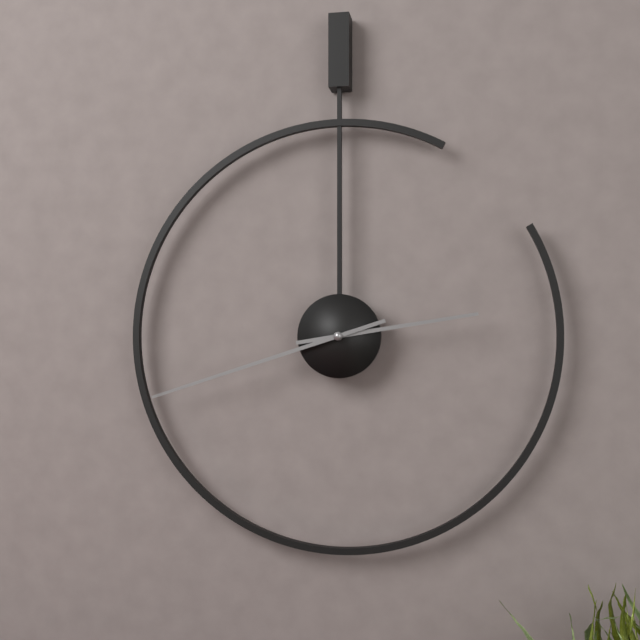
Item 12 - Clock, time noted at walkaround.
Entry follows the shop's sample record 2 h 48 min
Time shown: 2 h 42 min
